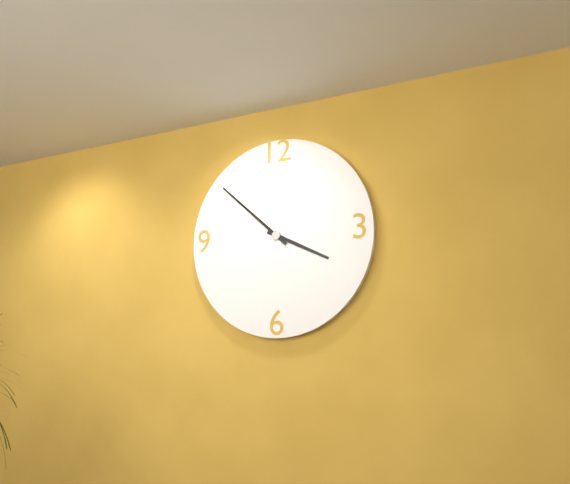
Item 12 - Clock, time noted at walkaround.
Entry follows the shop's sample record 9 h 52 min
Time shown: 3 h 52 min
